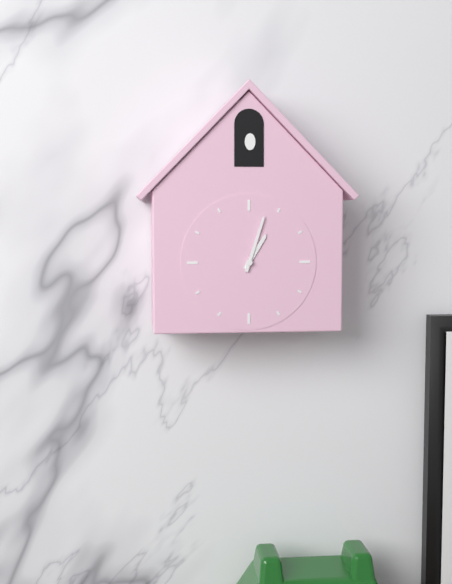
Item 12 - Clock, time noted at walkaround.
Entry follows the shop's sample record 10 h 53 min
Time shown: 1 h 03 min
